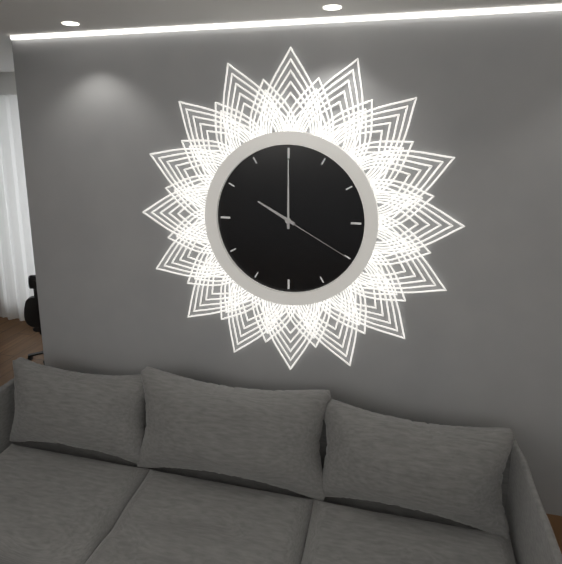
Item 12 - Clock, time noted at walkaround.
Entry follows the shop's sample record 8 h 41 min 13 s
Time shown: 10 h 00 min 20 s
